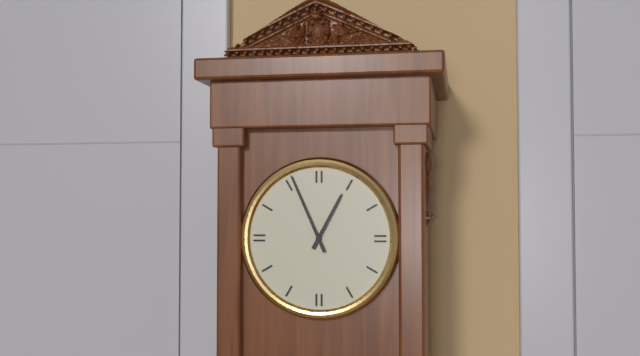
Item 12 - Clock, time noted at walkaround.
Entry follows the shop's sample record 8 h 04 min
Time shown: 12 h 56 min
